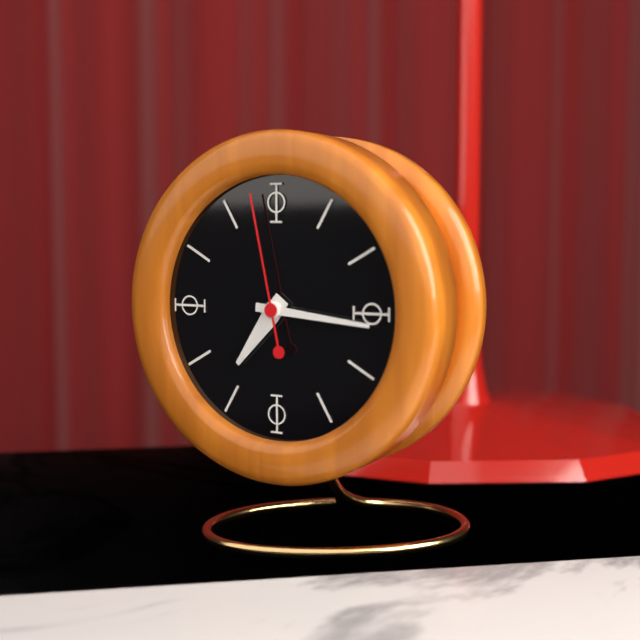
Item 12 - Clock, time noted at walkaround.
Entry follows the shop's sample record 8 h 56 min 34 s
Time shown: 7 h 16 min 58 s
